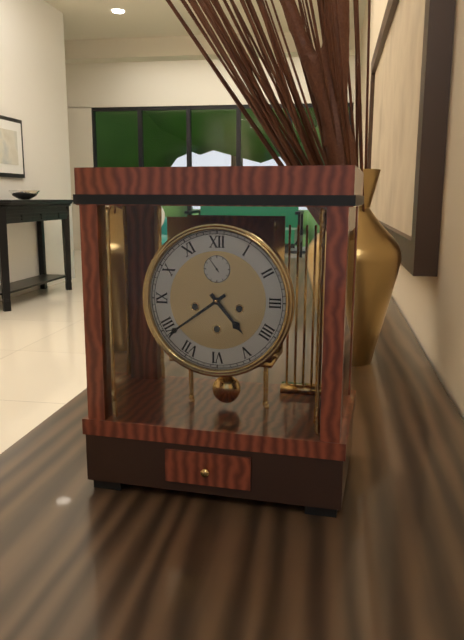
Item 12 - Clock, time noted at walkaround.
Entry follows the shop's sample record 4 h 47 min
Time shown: 4 h 39 min
